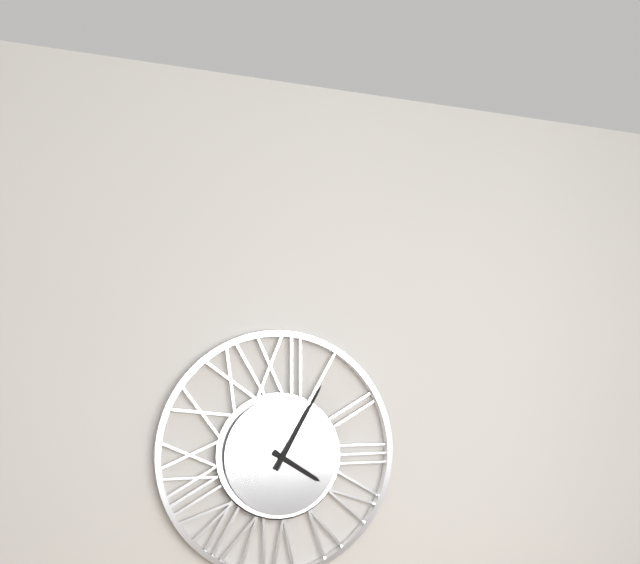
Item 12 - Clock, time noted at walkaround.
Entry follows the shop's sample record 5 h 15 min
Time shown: 4 h 05 min
